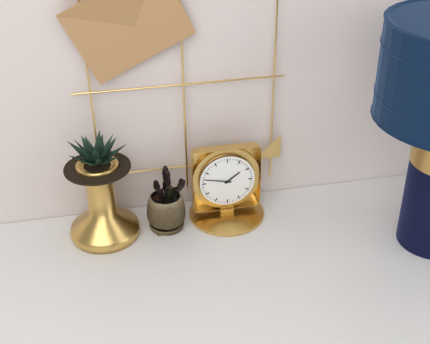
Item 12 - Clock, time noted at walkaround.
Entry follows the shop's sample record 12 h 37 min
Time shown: 1 h 47 min
